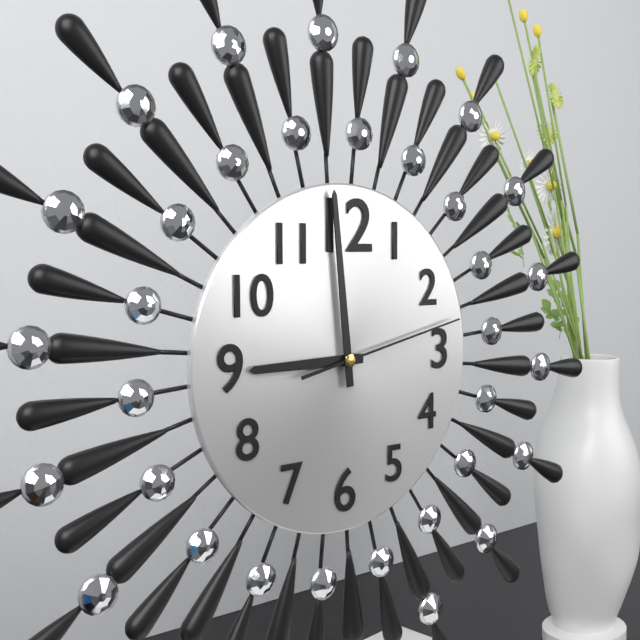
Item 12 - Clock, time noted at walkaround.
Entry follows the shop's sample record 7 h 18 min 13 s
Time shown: 8 h 59 min 13 s
